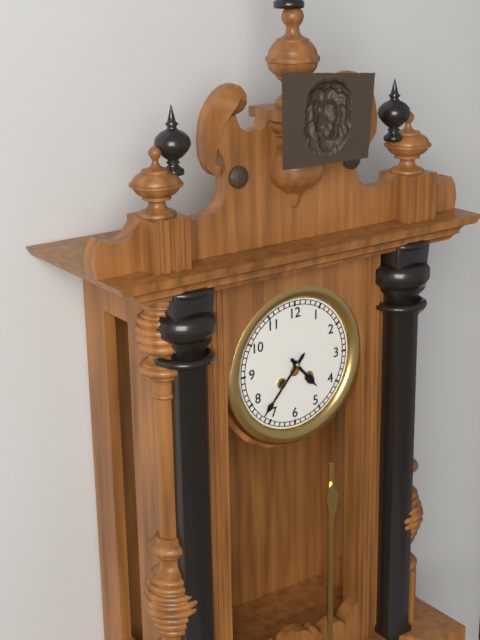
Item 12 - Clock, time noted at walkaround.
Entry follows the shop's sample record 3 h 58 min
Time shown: 4 h 37 min
